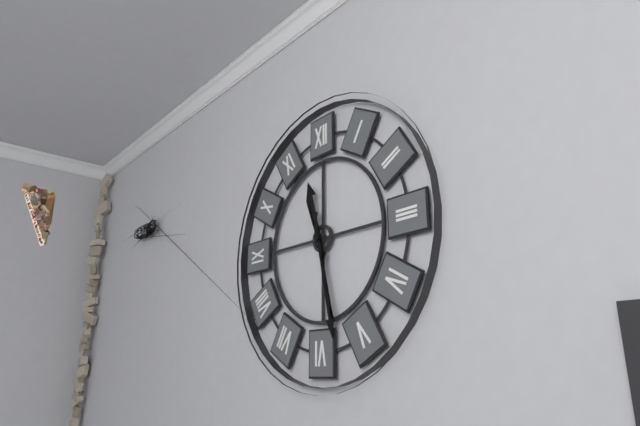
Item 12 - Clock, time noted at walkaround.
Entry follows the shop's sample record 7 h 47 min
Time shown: 11 h 28 min
